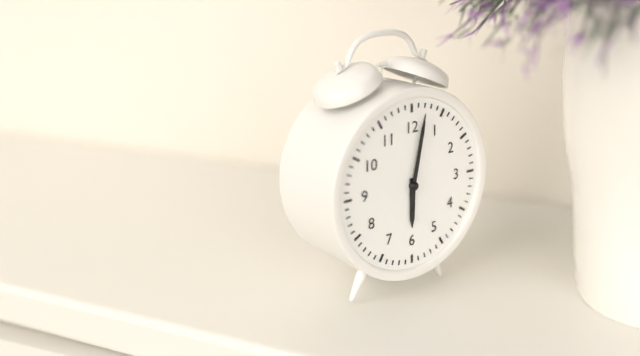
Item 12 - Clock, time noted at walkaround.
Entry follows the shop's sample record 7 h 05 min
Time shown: 6 h 02 min
